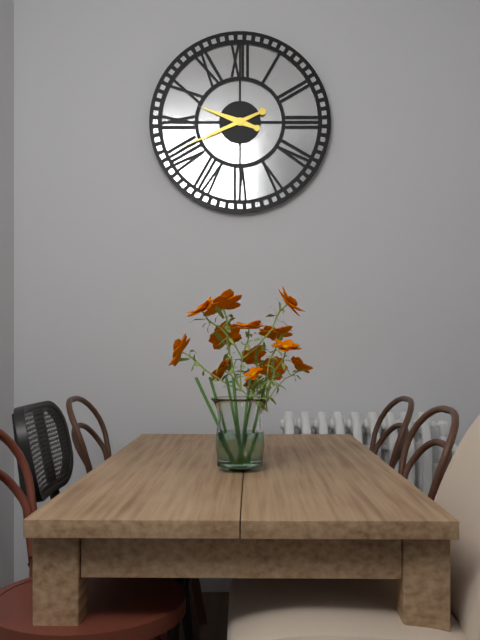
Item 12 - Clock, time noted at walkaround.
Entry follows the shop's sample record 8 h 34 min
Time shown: 9 h 41 min
